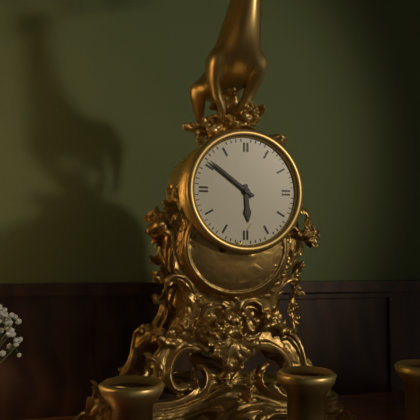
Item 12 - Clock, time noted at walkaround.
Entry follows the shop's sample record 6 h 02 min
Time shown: 5 h 51 min
